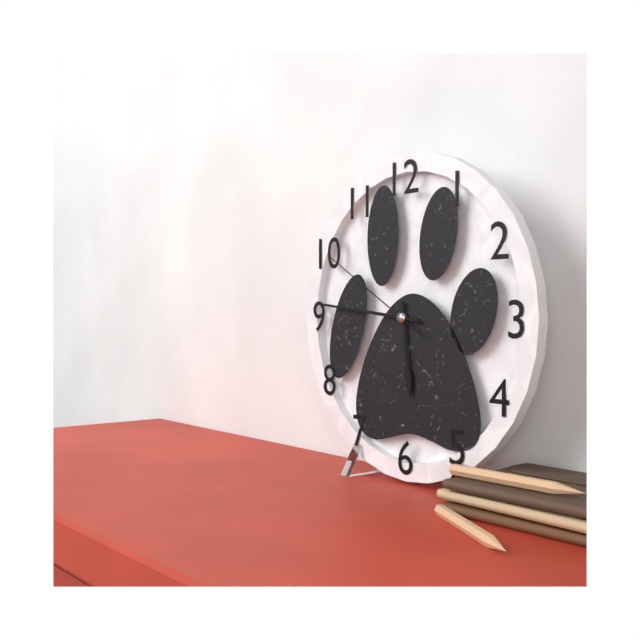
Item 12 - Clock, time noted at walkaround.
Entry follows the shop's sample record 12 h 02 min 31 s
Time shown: 5 h 46 min 50 s
